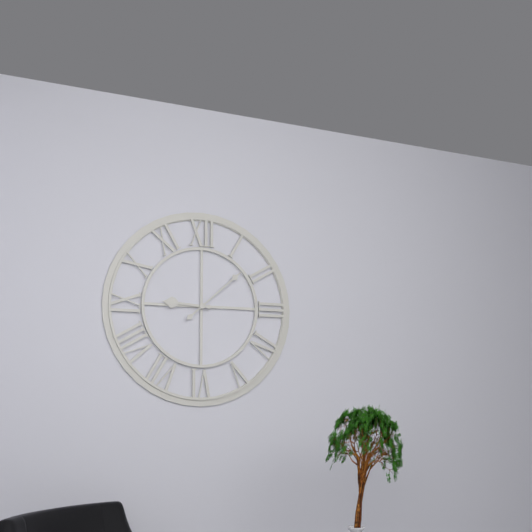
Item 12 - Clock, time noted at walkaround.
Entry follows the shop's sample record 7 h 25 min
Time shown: 9 h 08 min
